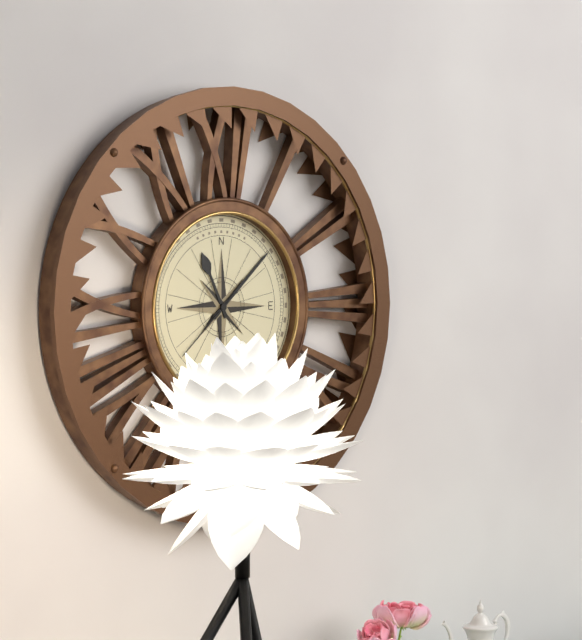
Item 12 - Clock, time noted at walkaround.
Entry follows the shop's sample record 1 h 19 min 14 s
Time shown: 11 h 08 min 38 s
